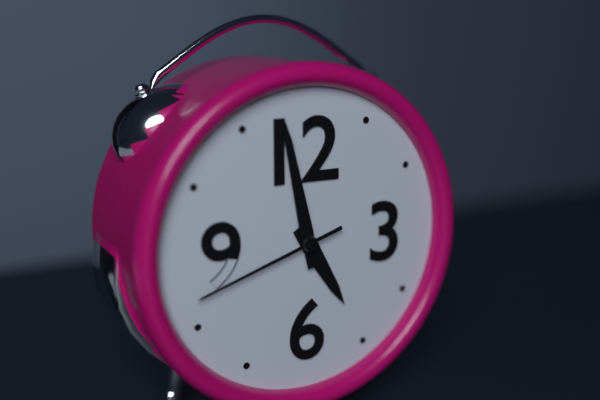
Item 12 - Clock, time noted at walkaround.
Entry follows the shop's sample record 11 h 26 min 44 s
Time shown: 4 h 58 min 42 s
